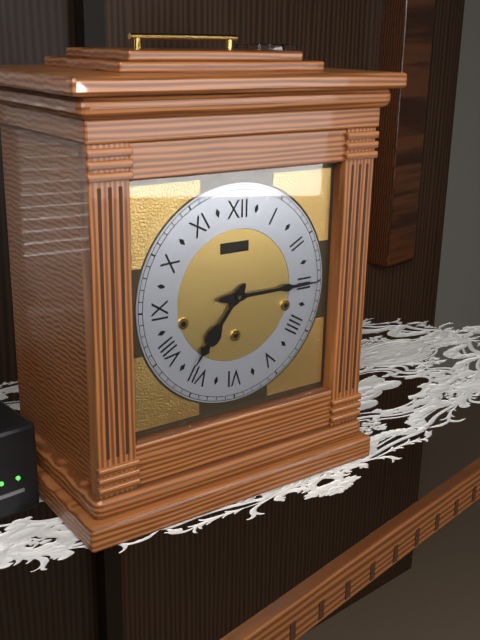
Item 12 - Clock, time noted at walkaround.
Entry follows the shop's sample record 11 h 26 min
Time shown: 7 h 15 min
